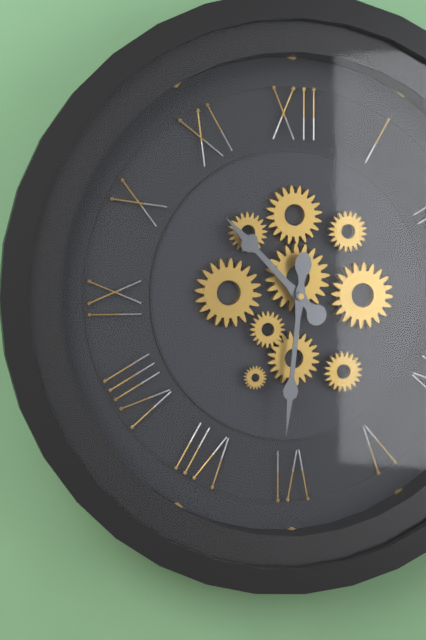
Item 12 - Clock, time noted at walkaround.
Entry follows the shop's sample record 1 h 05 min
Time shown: 10 h 31 min
